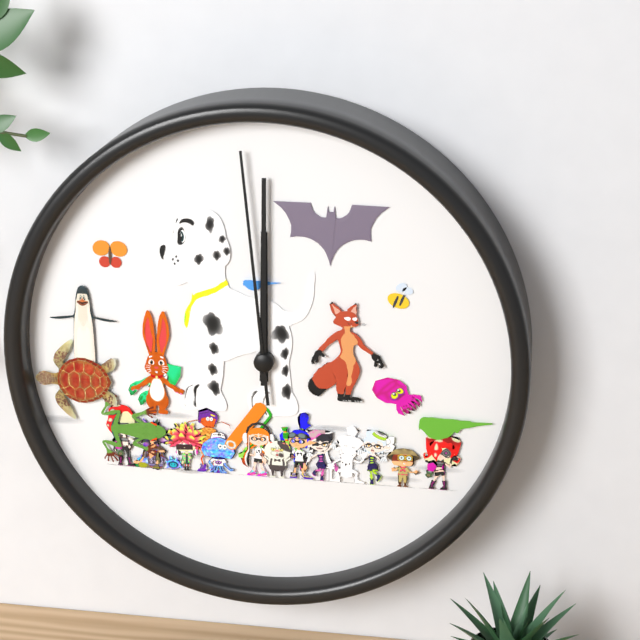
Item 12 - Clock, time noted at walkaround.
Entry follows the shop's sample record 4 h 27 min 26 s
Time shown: 12 h 00 min 59 s
